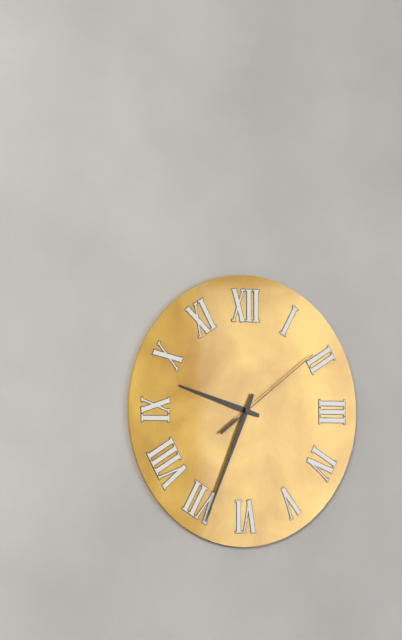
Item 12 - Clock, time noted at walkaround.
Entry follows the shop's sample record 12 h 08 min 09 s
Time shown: 9 h 34 min 09 s
